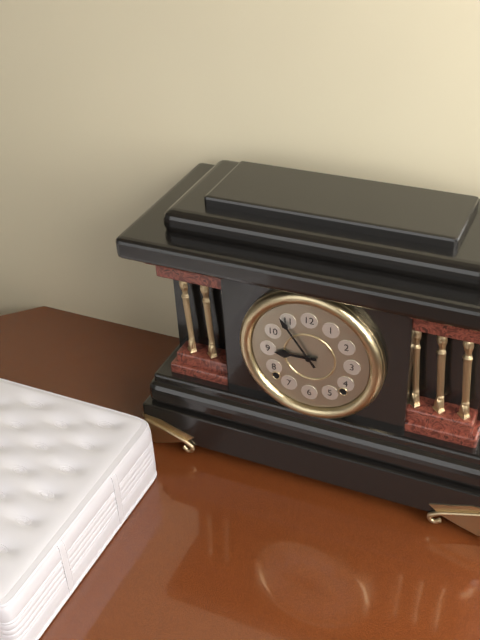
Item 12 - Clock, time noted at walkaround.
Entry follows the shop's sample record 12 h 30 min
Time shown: 8 h 54 min
